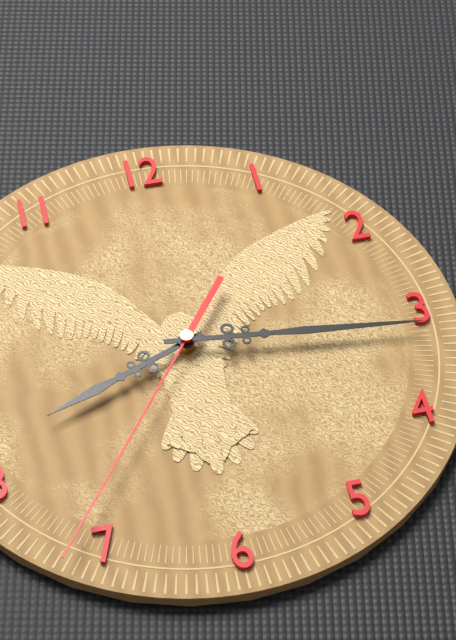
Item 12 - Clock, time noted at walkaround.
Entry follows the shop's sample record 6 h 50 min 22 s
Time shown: 8 h 16 min 36 s
